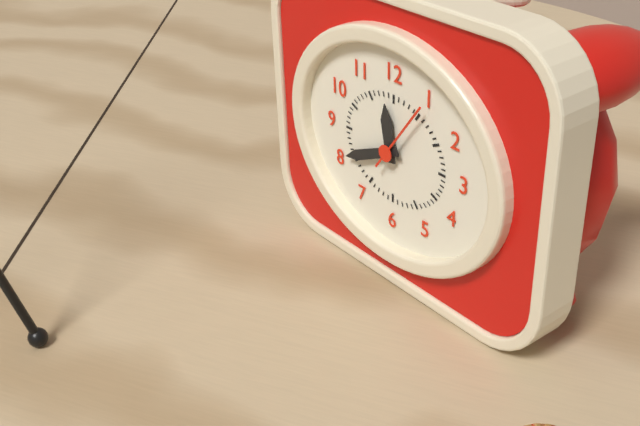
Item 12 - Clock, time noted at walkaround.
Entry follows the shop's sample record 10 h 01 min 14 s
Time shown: 11 h 41 min 06 s
